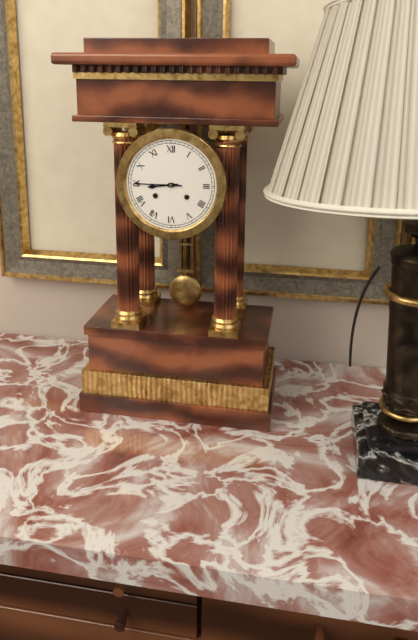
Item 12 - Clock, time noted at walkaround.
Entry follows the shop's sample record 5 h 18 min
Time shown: 8 h 45 min
